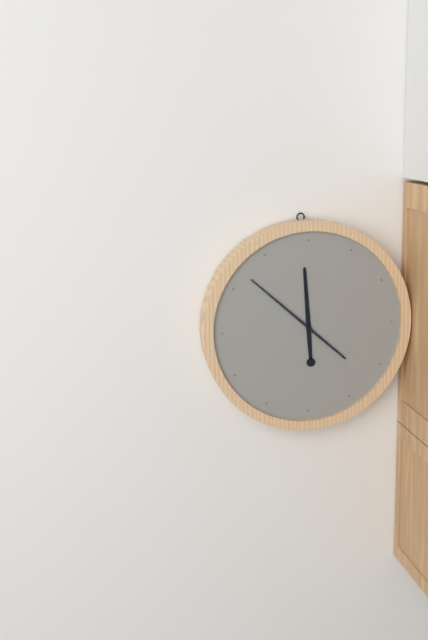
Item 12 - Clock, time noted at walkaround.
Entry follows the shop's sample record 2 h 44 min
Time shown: 11 h 52 min
